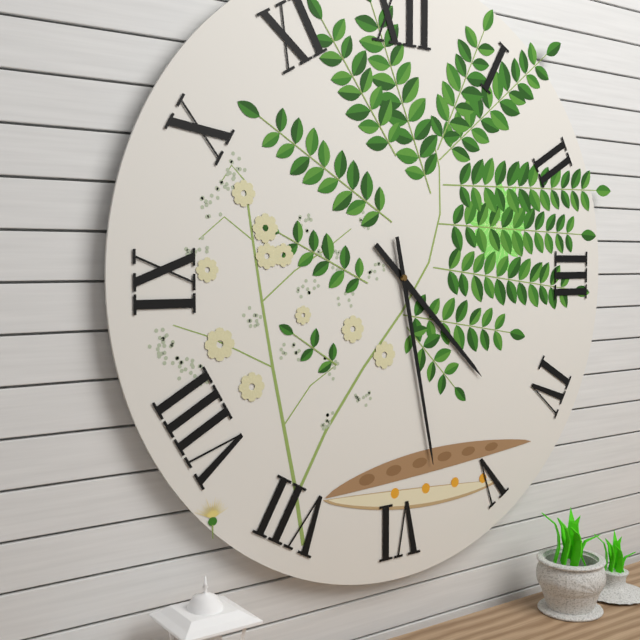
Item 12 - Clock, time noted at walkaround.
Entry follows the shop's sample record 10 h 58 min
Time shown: 4 h 28 min
